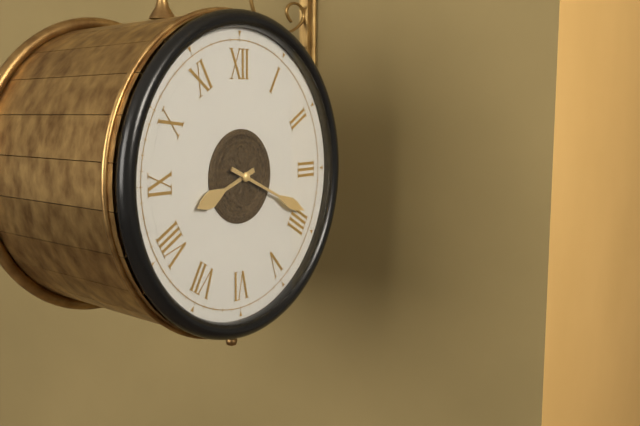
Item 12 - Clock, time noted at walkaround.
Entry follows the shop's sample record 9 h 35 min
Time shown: 8 h 19 min
